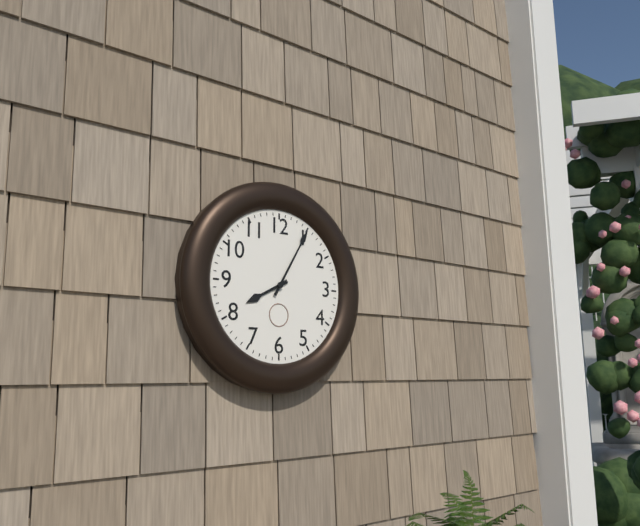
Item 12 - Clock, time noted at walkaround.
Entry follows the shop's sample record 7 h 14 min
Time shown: 8 h 05 min
